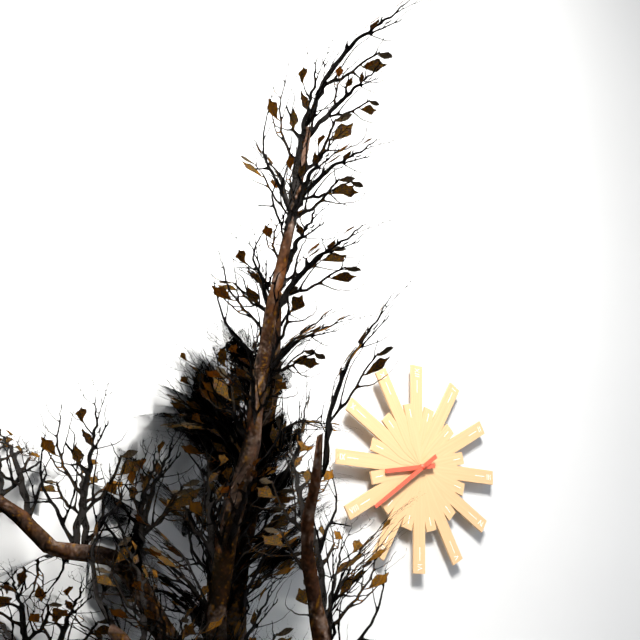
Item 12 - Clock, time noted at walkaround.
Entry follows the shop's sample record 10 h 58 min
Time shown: 8 h 39 min
